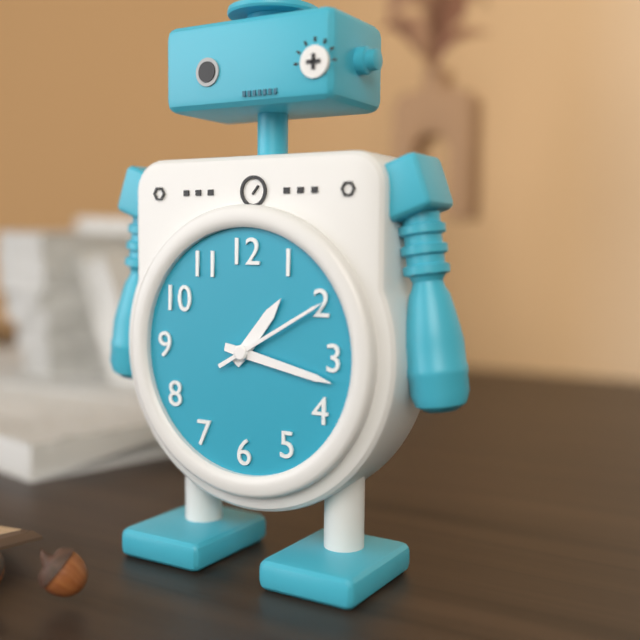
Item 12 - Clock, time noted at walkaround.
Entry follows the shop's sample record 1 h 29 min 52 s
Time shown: 1 h 17 min 10 s
